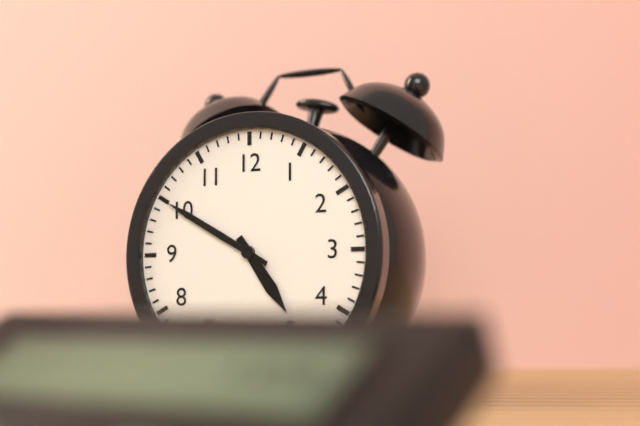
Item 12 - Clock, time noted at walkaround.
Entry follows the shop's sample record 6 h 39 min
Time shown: 4 h 50 min
